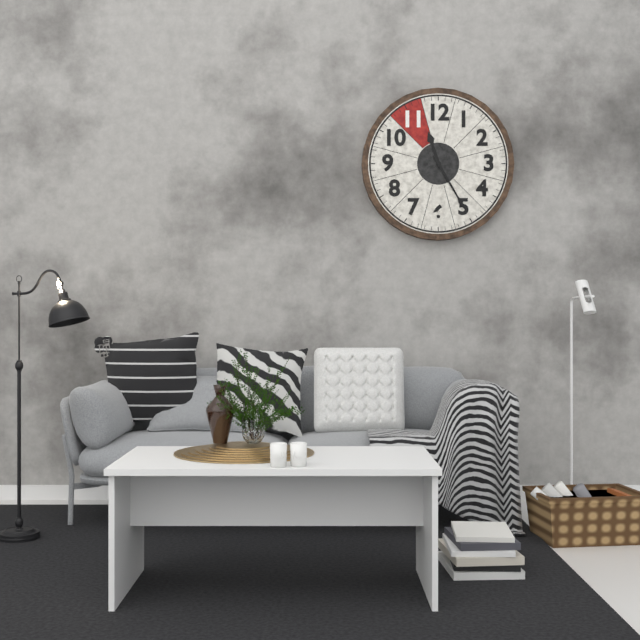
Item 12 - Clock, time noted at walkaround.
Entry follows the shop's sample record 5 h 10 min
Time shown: 11 h 25 min
